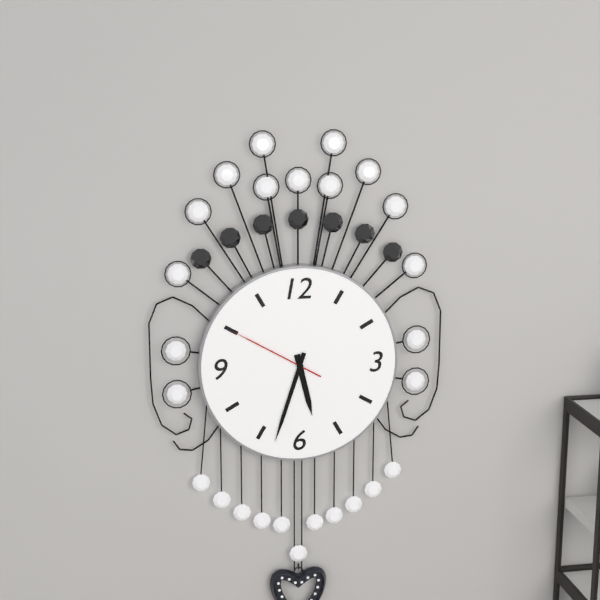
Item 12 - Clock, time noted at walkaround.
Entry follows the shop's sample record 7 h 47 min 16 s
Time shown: 5 h 33 min 50 s
